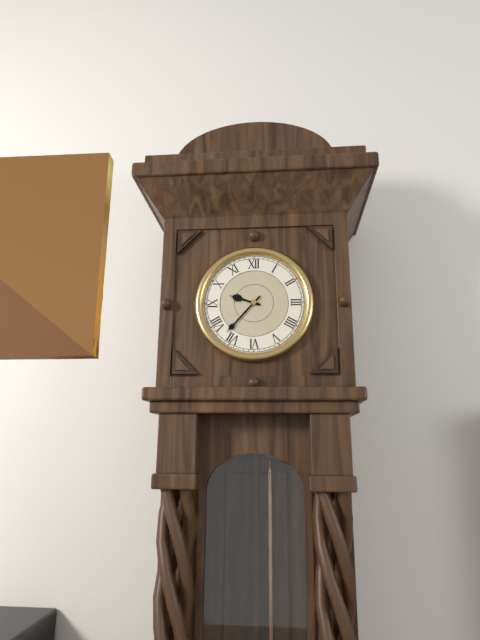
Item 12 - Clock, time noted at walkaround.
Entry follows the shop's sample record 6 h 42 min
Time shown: 9 h 37 min
